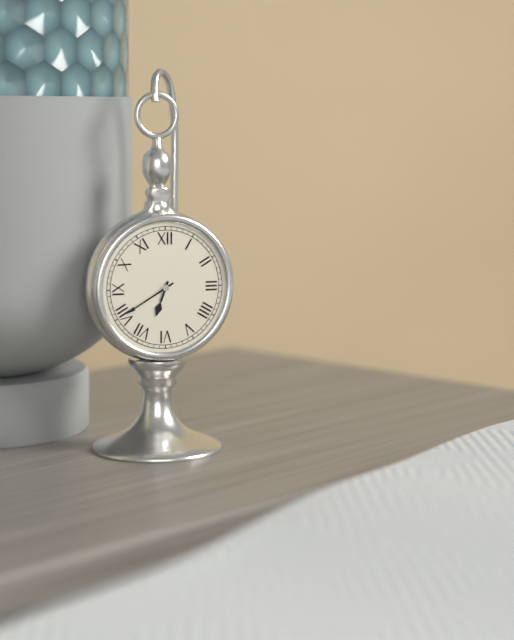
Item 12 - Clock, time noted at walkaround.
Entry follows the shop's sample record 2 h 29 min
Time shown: 6 h 40 min
